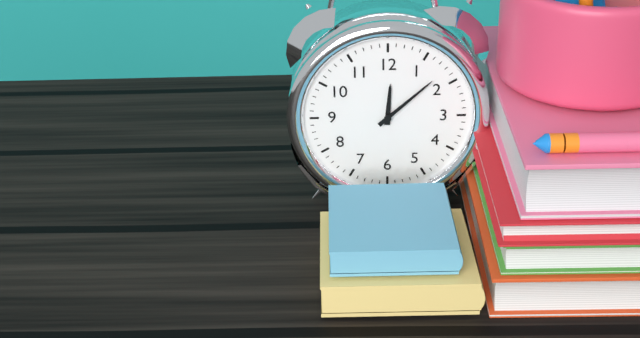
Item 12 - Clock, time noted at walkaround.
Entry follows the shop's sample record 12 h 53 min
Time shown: 12 h 08 min
